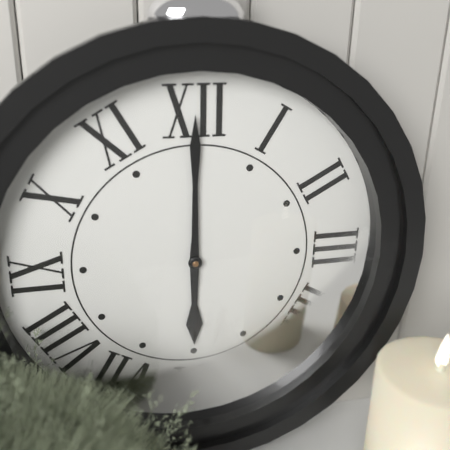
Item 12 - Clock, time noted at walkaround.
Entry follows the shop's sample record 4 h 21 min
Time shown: 6 h 00 min
